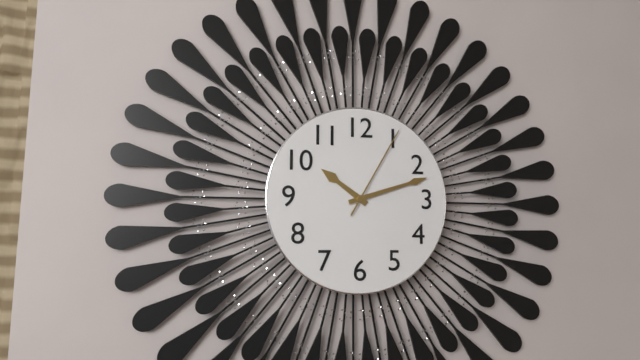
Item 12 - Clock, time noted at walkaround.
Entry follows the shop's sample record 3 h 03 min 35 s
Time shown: 10 h 12 min 05 s
